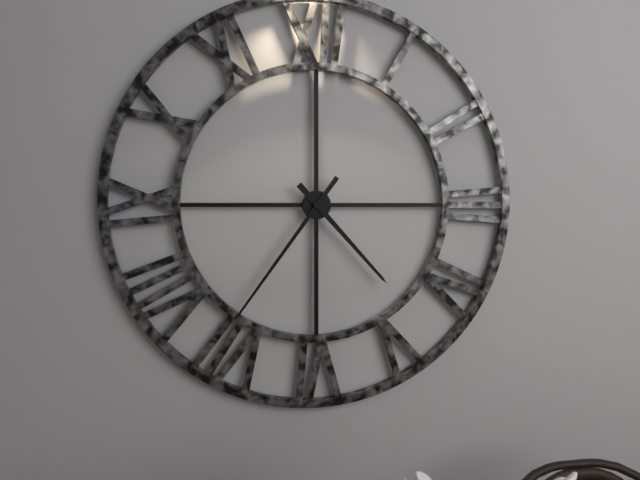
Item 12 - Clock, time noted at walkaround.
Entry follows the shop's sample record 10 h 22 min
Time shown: 4 h 36 min
